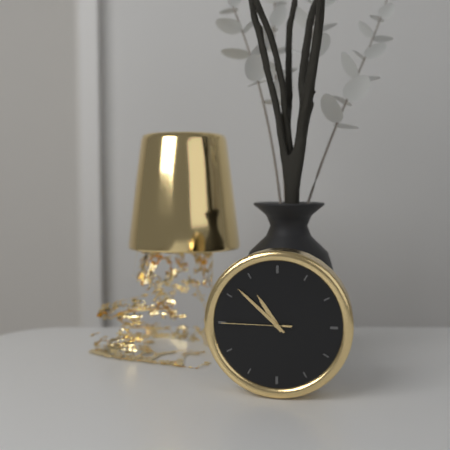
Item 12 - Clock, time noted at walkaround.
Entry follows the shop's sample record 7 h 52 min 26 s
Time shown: 10 h 52 min 45 s
